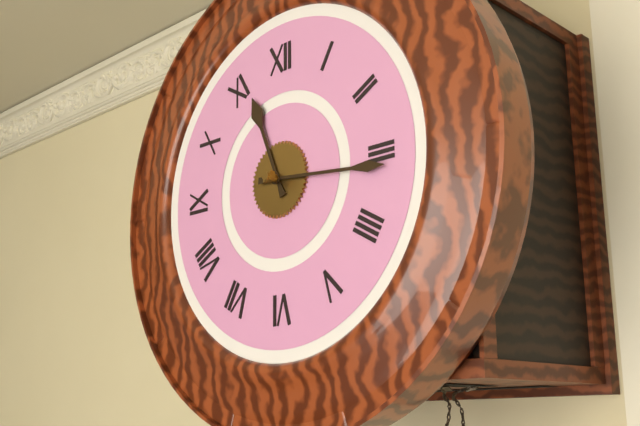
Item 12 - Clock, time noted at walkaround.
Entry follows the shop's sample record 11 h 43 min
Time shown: 11 h 16 min
